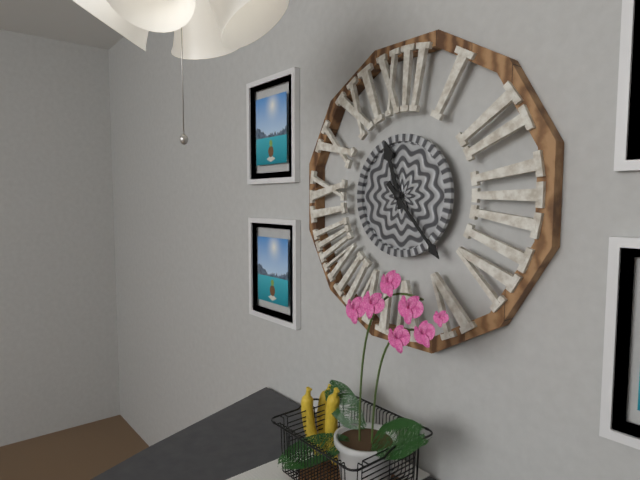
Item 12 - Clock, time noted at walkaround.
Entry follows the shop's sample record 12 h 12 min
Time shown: 11 h 23 min
